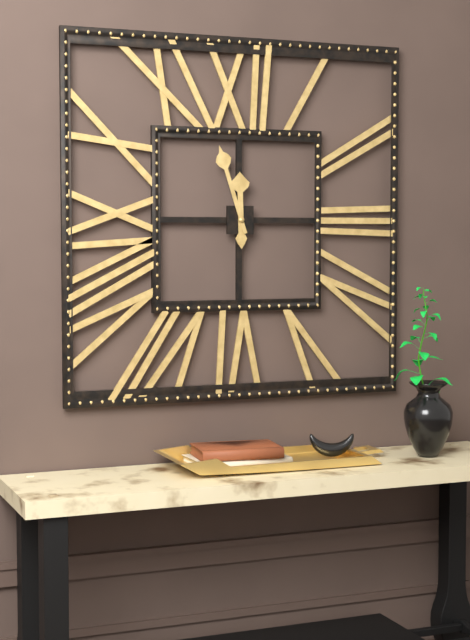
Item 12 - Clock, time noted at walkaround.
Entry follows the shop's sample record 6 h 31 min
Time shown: 11 h 57 min
